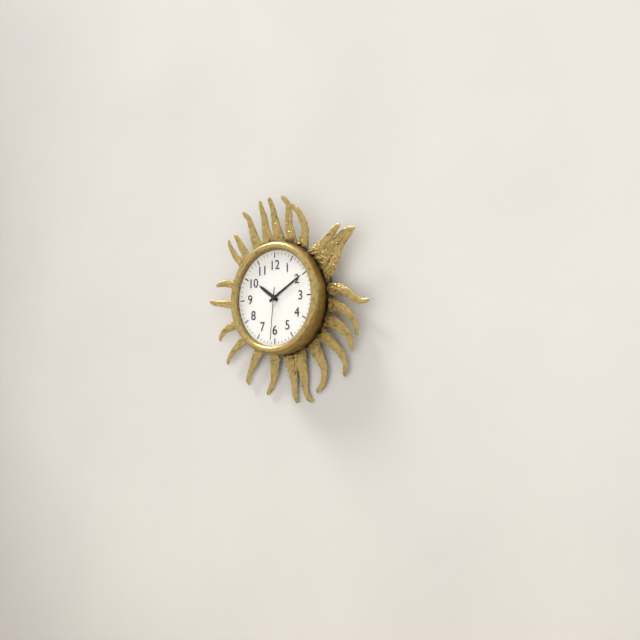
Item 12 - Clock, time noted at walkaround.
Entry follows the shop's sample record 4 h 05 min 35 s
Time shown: 10 h 10 min 31 s
